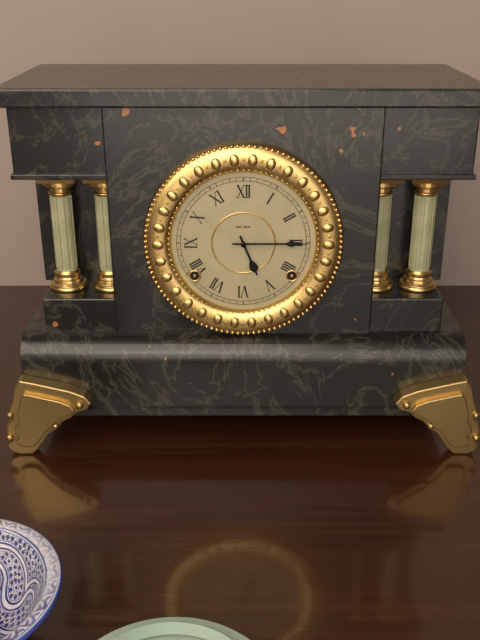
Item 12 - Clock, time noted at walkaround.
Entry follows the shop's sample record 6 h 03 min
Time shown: 5 h 15 min
